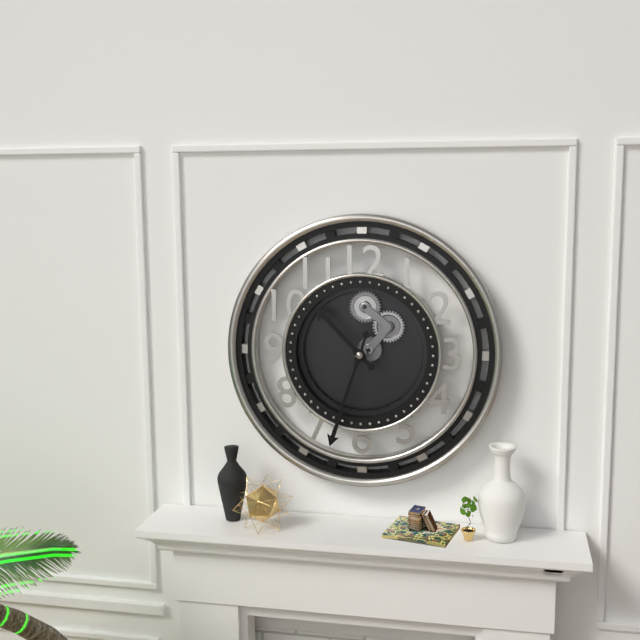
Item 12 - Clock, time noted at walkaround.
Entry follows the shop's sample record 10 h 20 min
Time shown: 10 h 33 min
